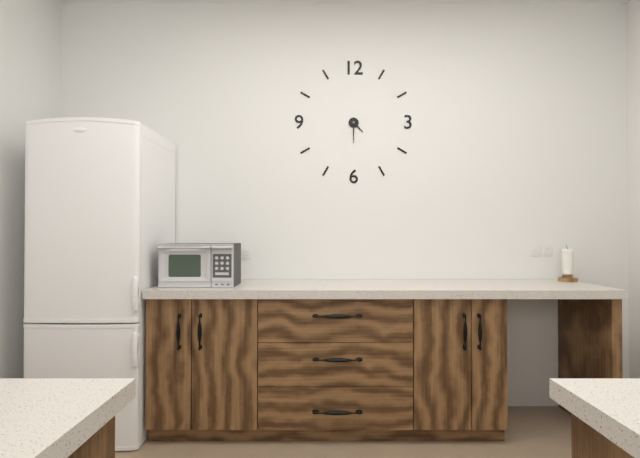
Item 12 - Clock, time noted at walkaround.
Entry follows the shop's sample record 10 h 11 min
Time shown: 4 h 30 min
